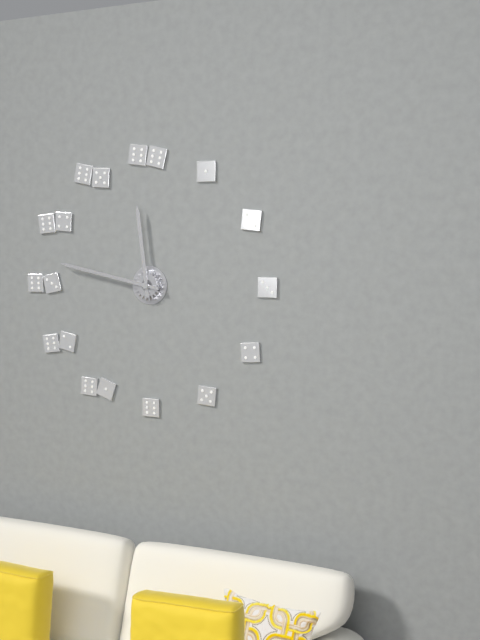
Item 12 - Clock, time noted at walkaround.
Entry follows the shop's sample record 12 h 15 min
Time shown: 11 h 47 min
